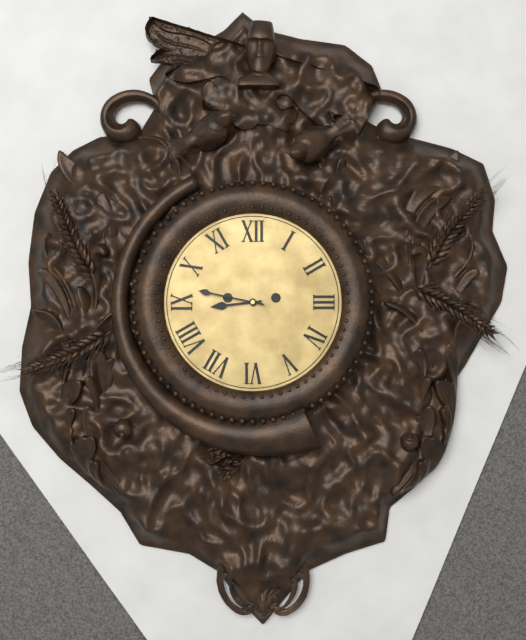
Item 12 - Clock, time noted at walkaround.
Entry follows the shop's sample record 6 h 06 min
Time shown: 8 h 47 min
